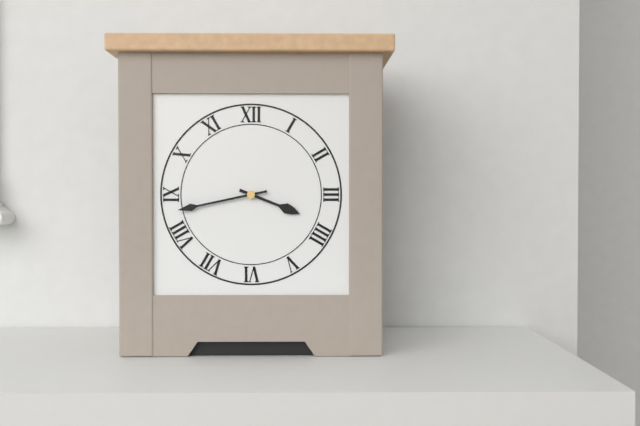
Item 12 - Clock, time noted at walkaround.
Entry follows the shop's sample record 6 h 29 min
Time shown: 3 h 43 min
